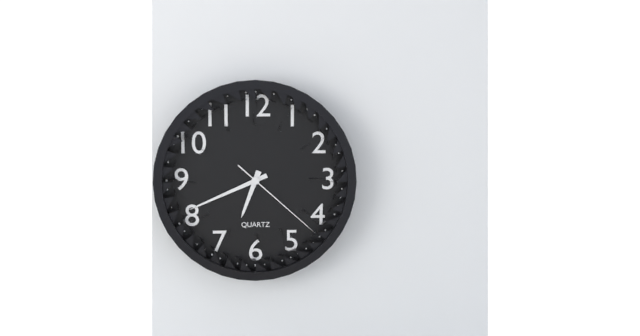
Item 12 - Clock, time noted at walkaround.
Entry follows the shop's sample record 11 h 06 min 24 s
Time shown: 6 h 41 min 22 s
